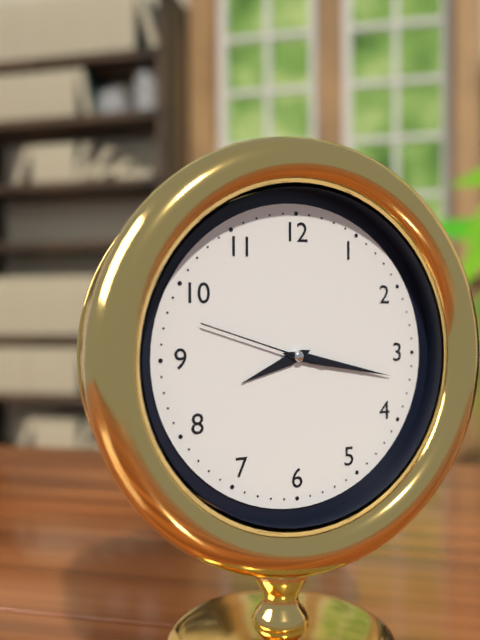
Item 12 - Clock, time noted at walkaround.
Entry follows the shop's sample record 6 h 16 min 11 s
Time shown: 8 h 17 min 48 s
